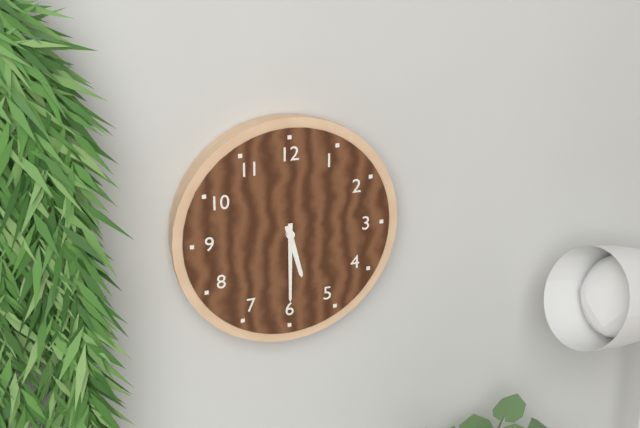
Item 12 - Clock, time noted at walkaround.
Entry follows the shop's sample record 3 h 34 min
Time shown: 5 h 30 min
